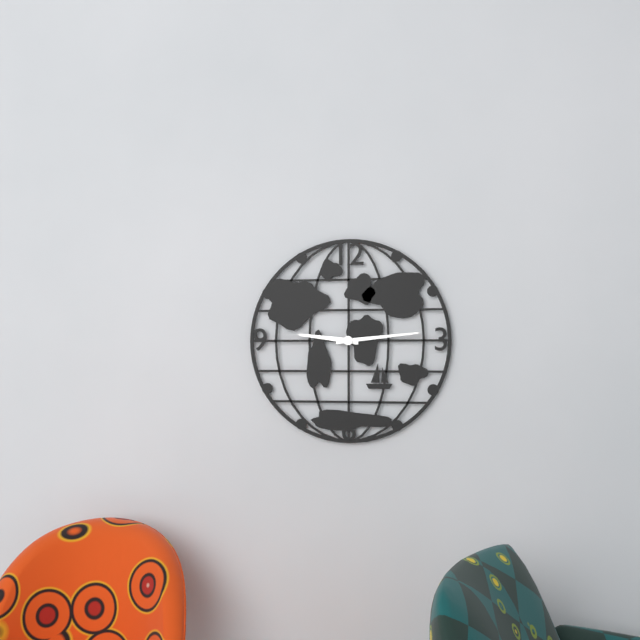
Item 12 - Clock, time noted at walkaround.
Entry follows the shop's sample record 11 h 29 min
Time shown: 9 h 14 min
